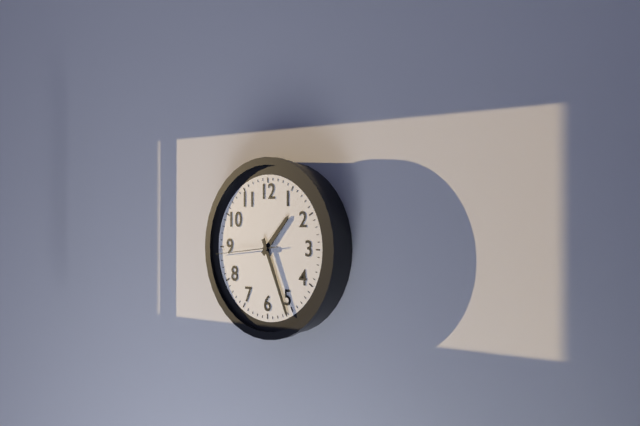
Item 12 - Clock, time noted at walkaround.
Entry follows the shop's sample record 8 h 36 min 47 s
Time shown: 1 h 26 min 44 s
